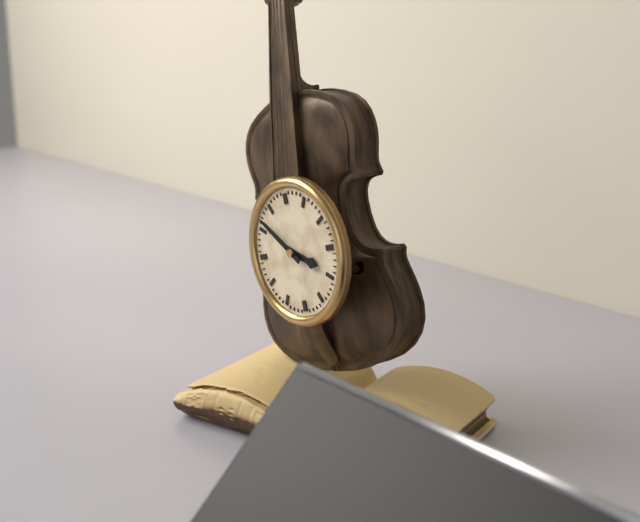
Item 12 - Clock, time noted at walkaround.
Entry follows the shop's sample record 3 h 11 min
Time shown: 3 h 52 min
